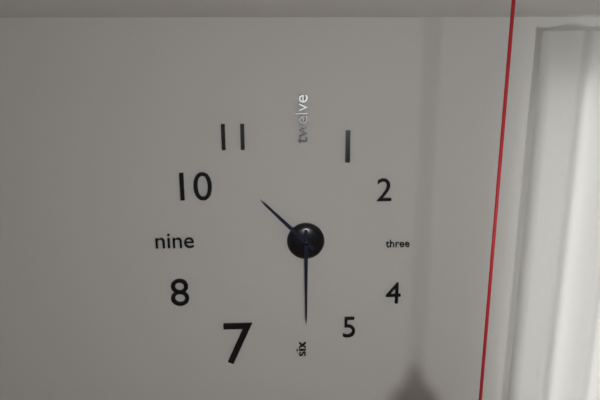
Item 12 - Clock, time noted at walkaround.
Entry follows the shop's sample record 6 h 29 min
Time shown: 10 h 30 min
